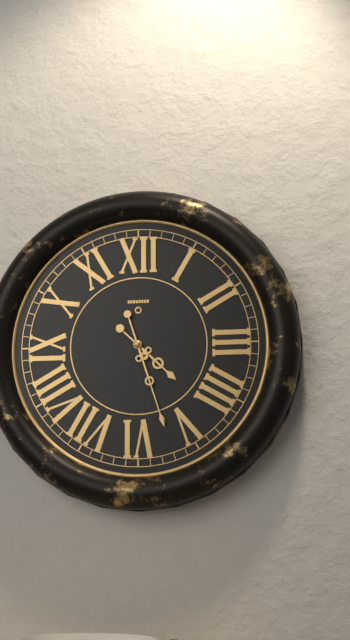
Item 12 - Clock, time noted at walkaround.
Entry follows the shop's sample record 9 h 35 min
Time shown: 4 h 27 min
